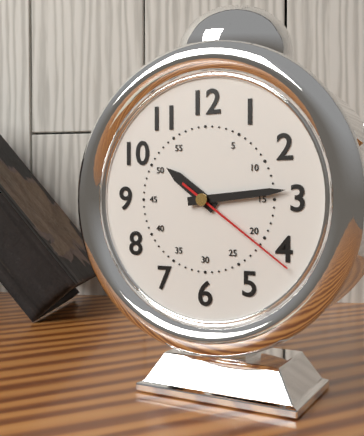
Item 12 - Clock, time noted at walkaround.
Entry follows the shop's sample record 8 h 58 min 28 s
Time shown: 10 h 14 min 21 s
